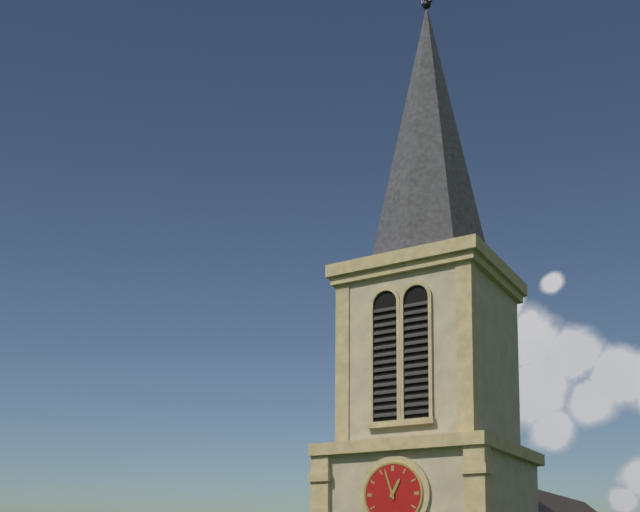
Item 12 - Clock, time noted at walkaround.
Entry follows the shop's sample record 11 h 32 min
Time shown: 12 h 57 min
